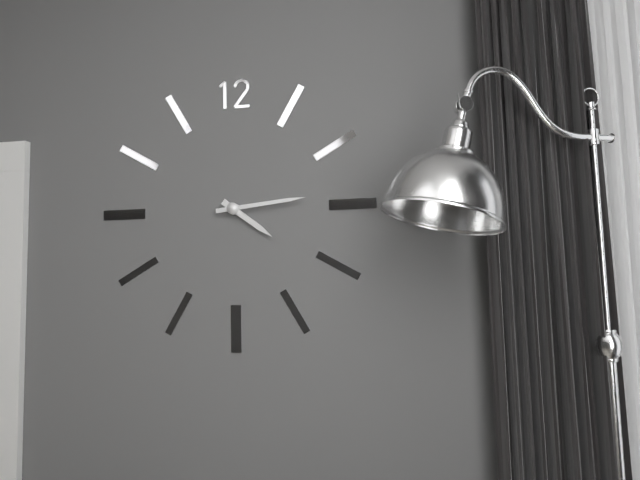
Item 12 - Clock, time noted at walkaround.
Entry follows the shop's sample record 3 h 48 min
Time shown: 4 h 14 min
